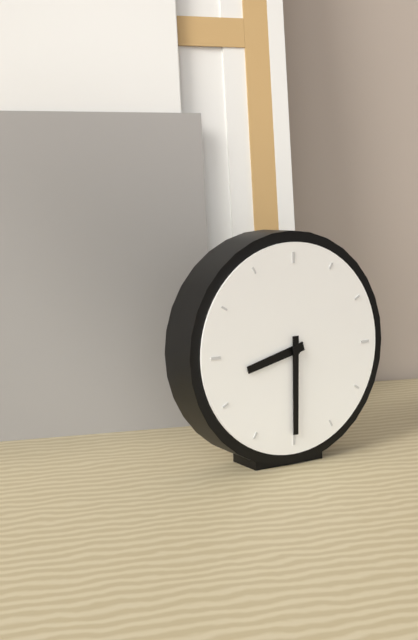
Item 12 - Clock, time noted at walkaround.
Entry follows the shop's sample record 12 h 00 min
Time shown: 8 h 30 min
